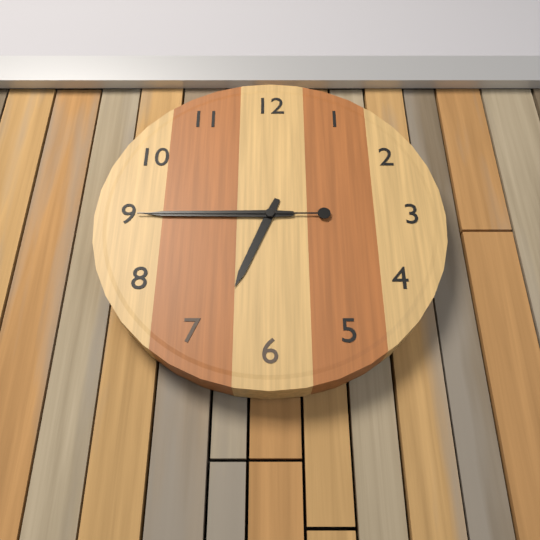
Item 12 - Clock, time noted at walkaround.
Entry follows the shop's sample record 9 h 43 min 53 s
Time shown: 6 h 45 min 45 s
